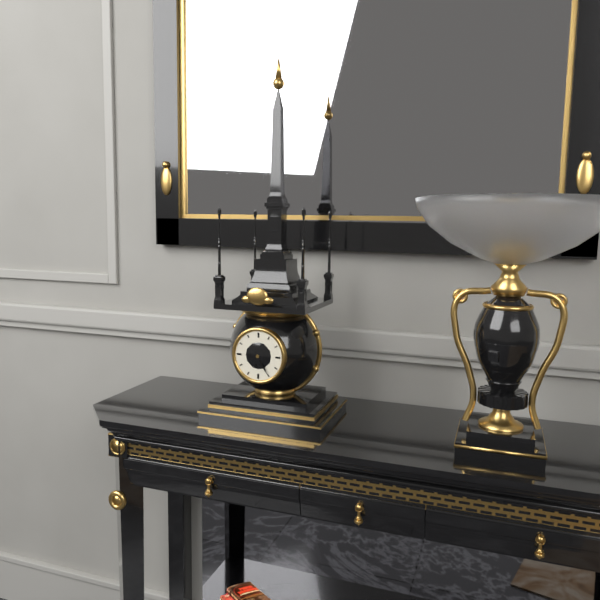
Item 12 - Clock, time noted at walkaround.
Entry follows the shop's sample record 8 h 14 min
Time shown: 6 h 25 min
